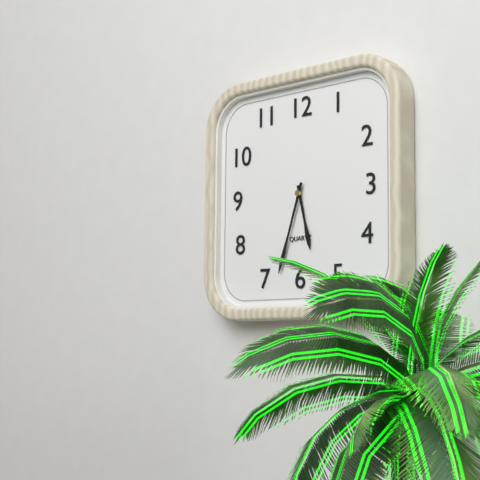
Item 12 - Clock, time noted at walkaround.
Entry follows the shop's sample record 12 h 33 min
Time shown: 5 h 33 min
